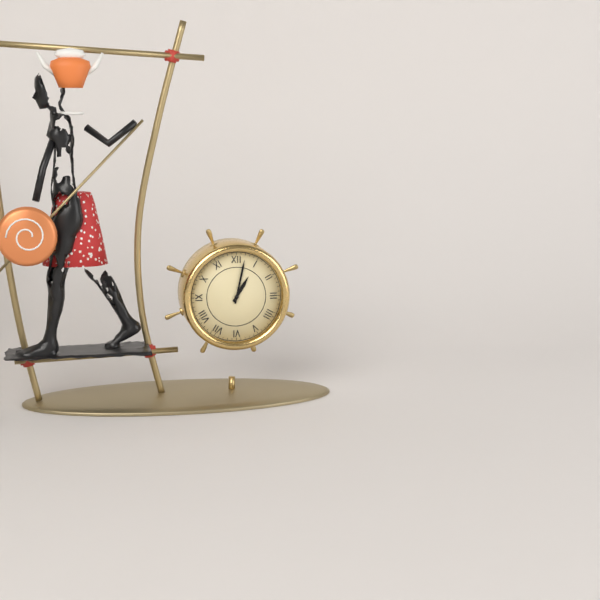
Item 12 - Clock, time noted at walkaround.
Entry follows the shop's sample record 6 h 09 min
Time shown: 1 h 02 min
